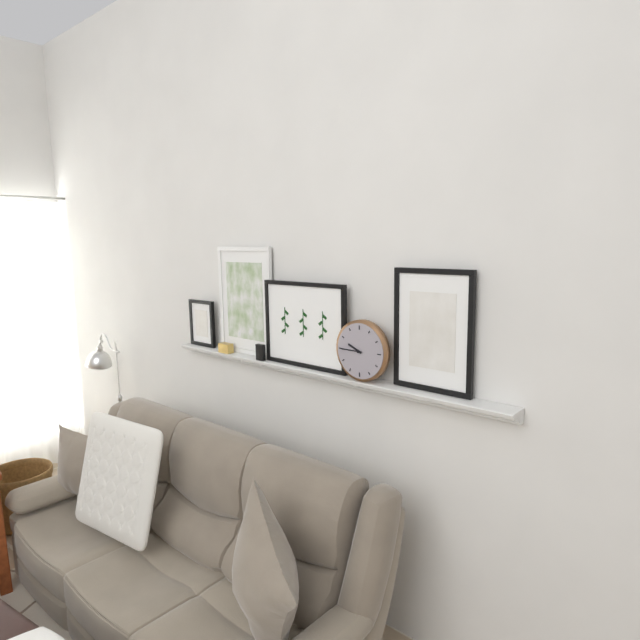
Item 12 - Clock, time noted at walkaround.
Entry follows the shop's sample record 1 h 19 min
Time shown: 9 h 45 min
